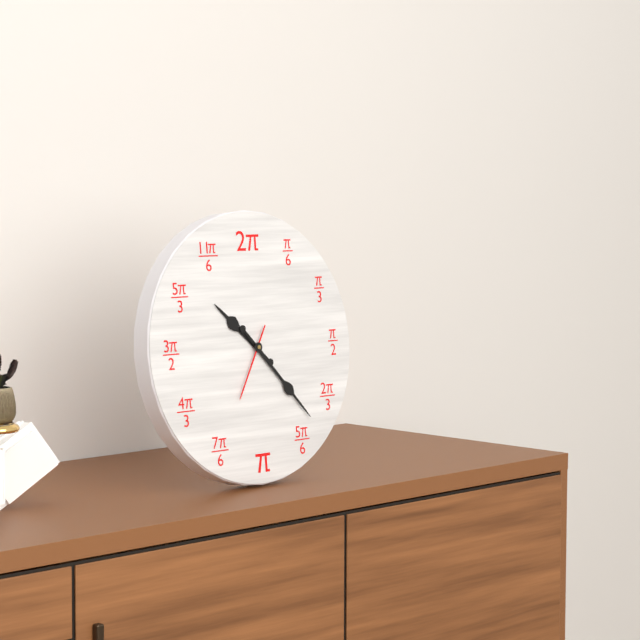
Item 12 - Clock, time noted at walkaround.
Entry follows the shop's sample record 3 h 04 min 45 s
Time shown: 10 h 23 min 35 s
